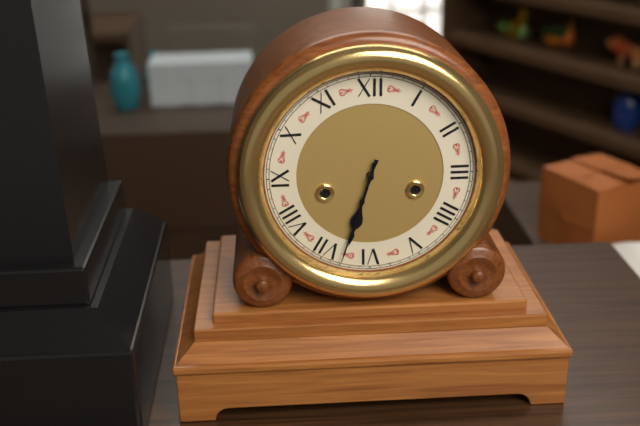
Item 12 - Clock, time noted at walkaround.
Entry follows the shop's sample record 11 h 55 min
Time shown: 6 h 33 min
